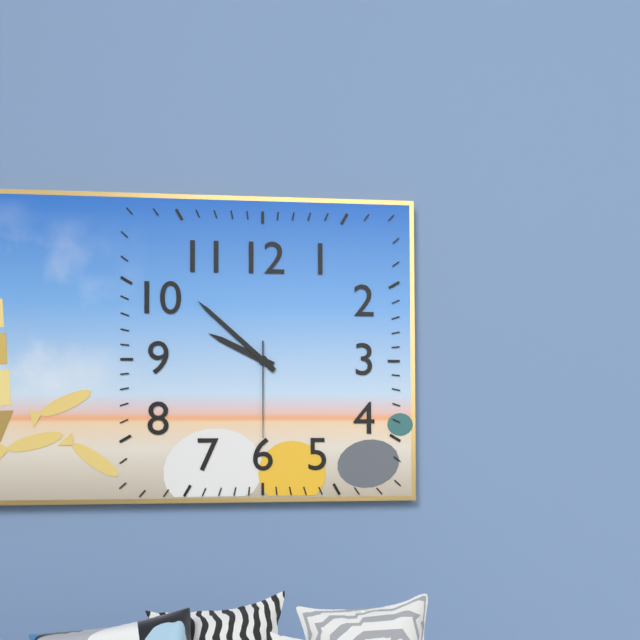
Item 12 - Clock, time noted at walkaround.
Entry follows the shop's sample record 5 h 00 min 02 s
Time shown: 9 h 52 min 30 s
